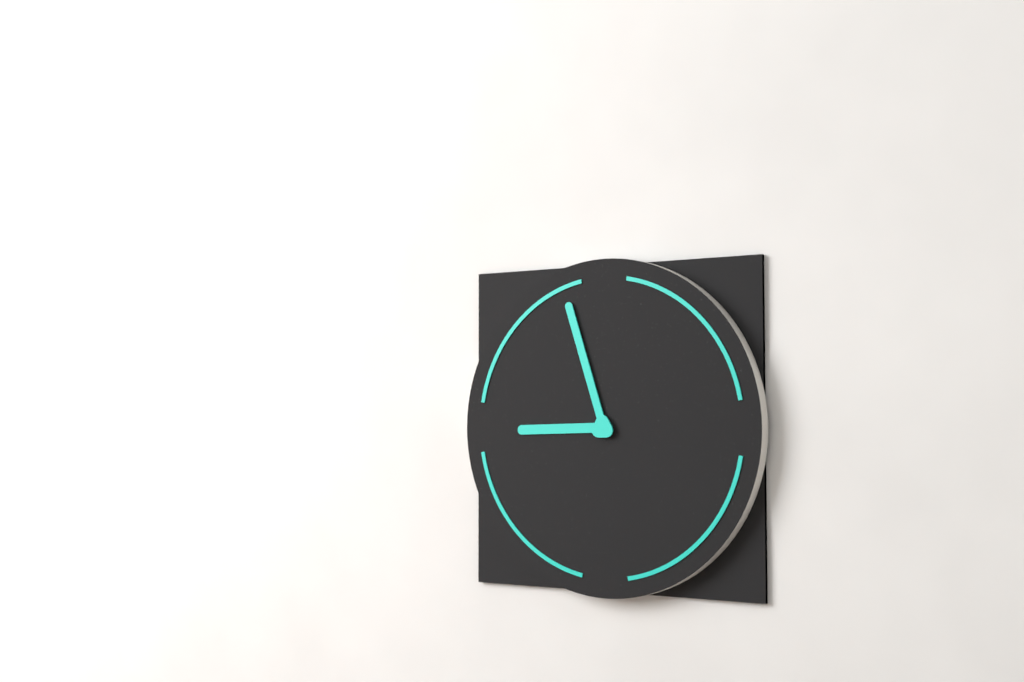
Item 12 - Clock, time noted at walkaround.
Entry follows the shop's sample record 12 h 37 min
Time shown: 8 h 57 min
